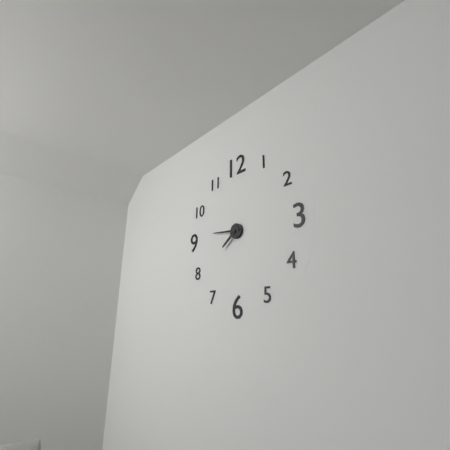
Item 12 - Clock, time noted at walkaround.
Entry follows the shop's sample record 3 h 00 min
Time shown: 7 h 46 min
